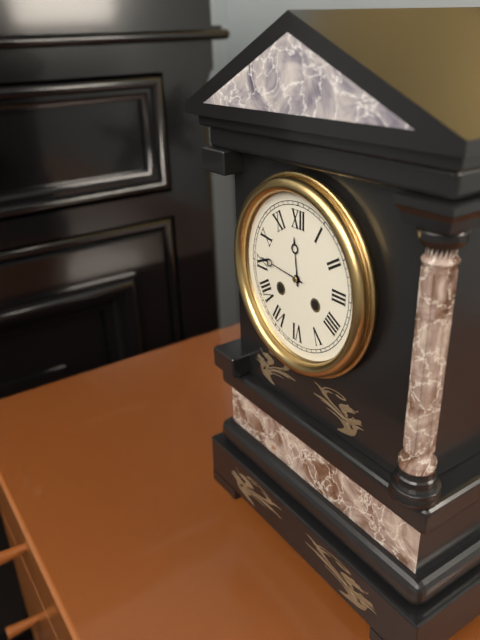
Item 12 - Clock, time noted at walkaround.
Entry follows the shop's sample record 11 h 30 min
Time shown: 11 h 46 min
